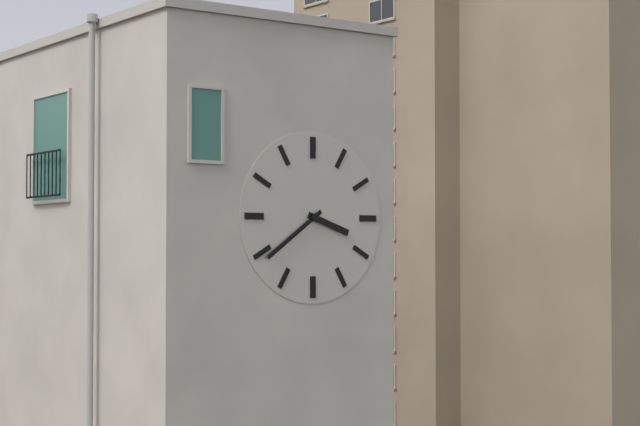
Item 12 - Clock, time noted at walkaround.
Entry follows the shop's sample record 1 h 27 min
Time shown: 3 h 39 min
